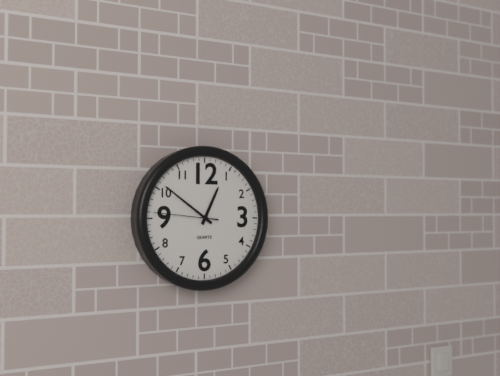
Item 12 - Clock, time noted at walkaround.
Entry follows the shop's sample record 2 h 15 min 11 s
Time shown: 12 h 51 min 46 s
